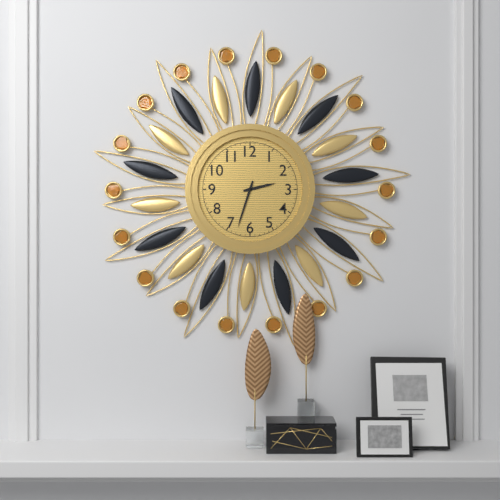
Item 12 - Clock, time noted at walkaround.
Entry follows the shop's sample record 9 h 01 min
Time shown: 2 h 33 min
